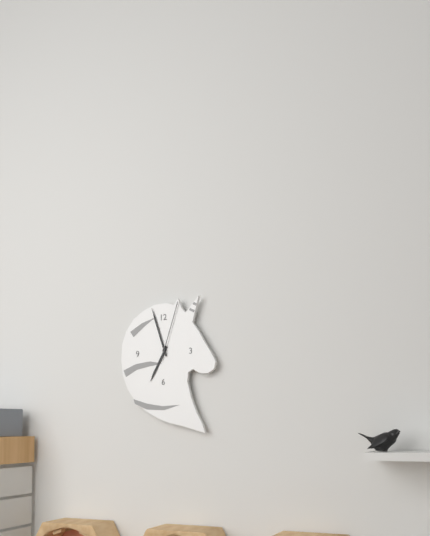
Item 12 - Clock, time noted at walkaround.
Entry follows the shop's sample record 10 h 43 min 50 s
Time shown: 6 h 57 min 03 s
